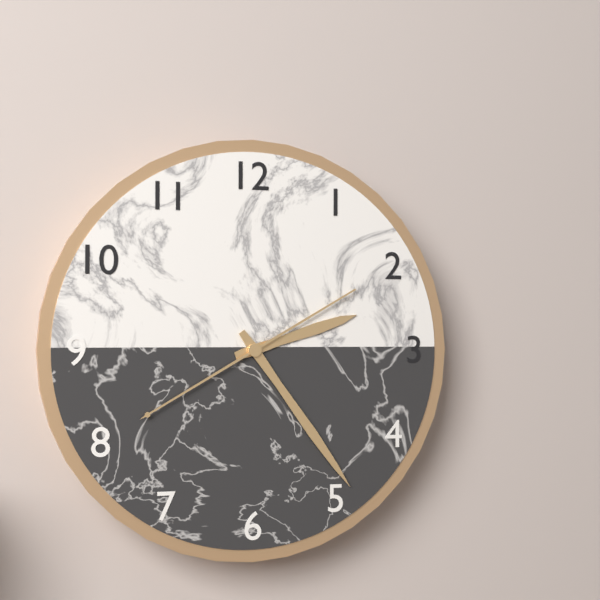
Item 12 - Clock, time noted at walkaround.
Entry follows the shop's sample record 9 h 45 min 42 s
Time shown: 2 h 24 min 40 s
